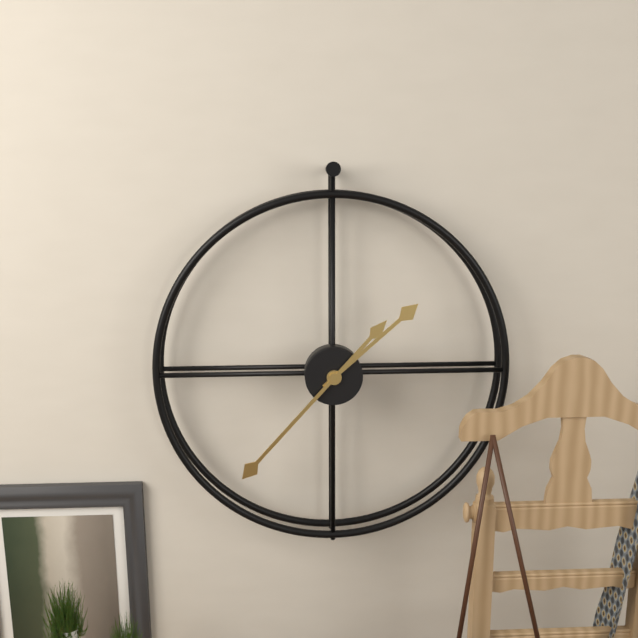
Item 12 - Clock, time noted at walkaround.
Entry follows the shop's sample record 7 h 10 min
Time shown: 1 h 37 min
